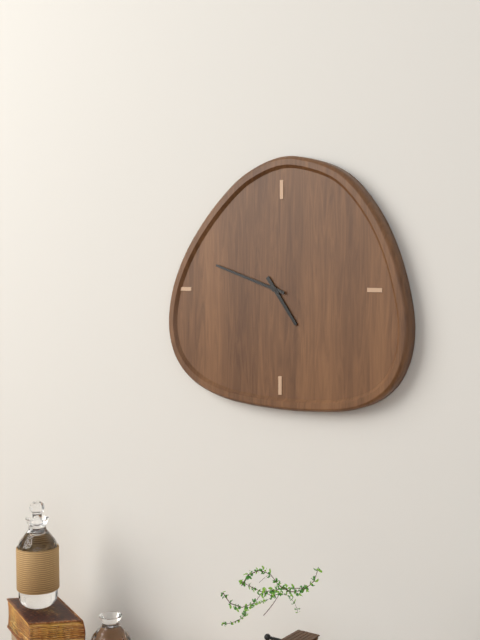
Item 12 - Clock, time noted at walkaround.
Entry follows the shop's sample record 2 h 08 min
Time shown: 4 h 48 min
